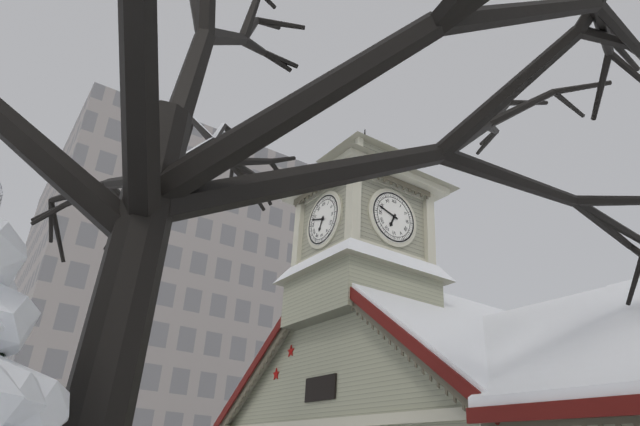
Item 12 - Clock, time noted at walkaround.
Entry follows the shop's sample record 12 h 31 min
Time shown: 6 h 48 min
